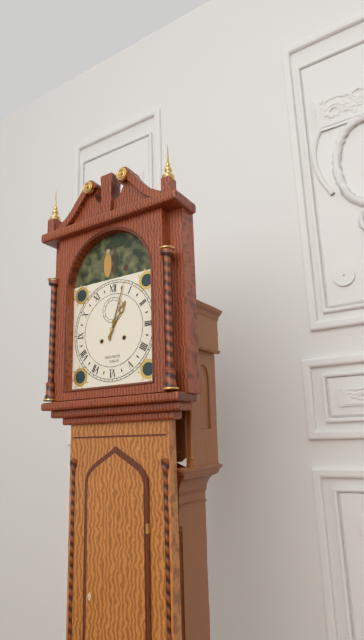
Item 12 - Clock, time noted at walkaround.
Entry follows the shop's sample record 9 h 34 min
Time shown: 1 h 03 min
